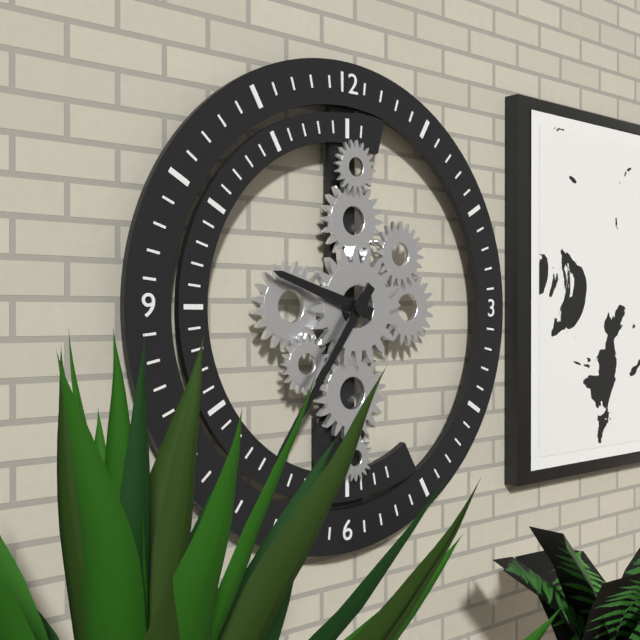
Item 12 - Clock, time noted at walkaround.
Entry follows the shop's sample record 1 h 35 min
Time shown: 9 h 36 min
